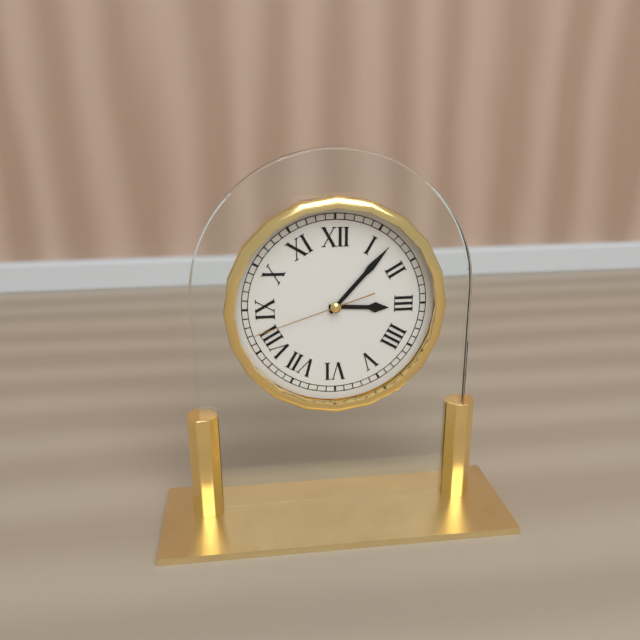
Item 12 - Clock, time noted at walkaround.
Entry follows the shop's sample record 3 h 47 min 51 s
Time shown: 3 h 07 min 42 s
